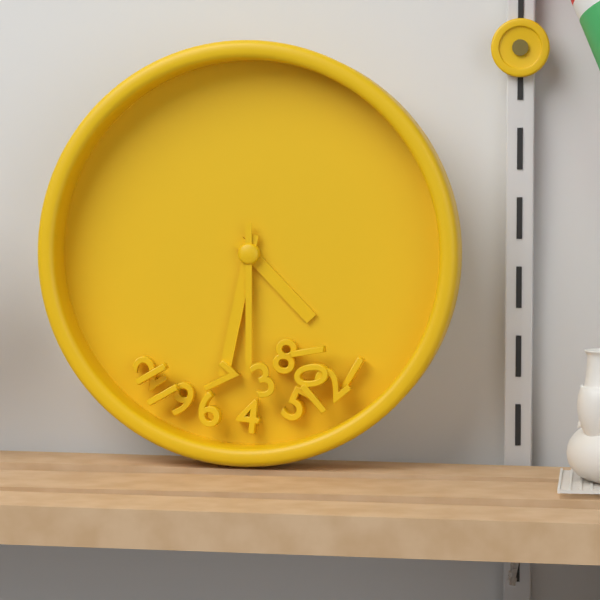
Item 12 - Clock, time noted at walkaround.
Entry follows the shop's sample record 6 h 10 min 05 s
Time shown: 4 h 32 min 30 s
